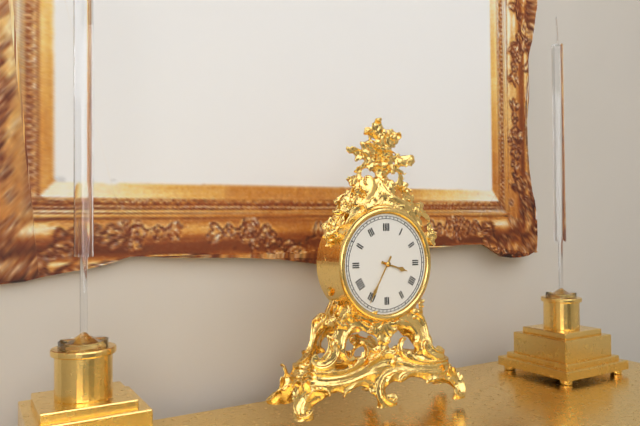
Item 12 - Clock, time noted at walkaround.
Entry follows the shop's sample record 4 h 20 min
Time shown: 3 h 35 min
